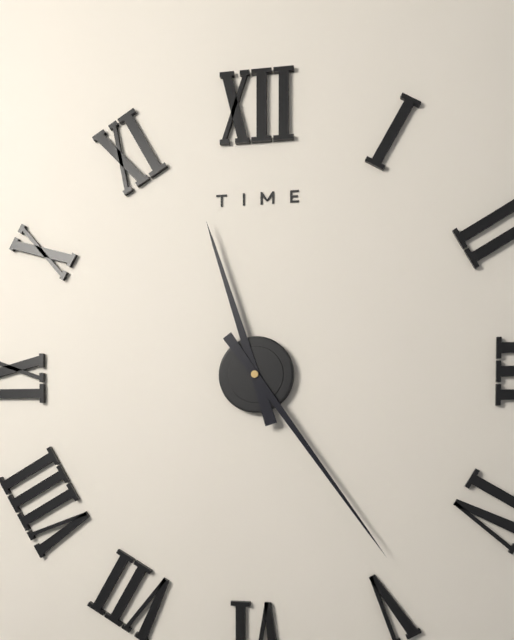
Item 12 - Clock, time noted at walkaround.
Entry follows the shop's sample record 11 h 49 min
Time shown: 11 h 24 min
